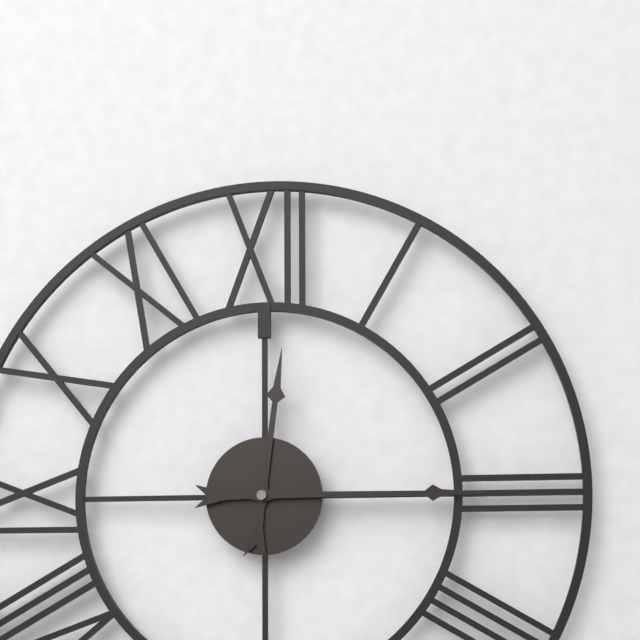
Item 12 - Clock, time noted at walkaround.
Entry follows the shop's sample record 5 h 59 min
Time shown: 12 h 15 min
